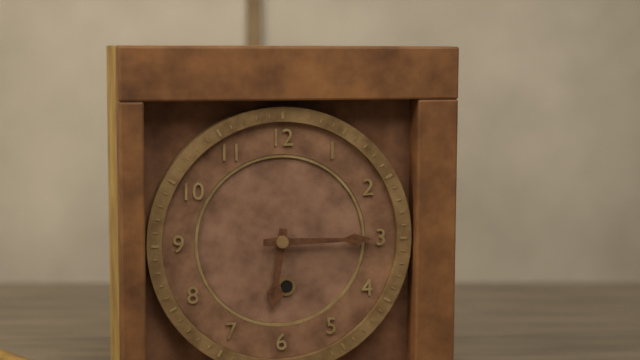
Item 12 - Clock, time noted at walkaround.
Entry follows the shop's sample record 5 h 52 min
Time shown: 6 h 15 min
